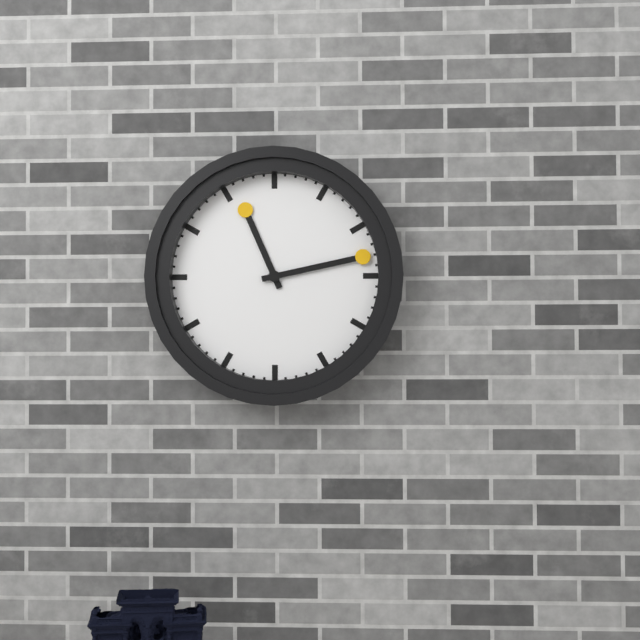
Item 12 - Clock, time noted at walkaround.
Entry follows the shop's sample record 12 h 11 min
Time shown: 11 h 13 min
